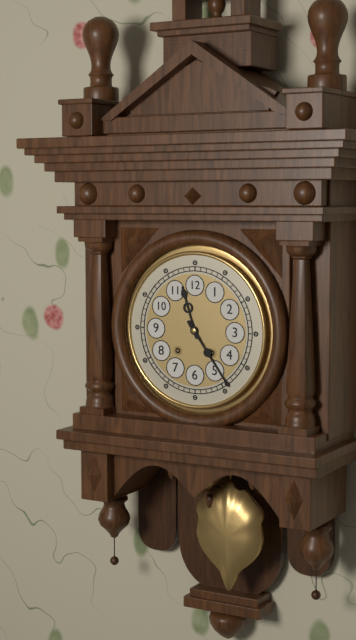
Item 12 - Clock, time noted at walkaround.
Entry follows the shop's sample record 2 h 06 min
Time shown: 11 h 24 min
